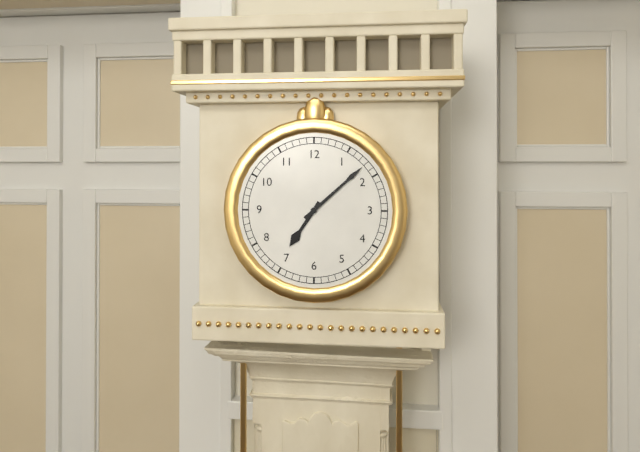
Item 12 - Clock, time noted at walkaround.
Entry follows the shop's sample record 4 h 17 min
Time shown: 7 h 08 min
